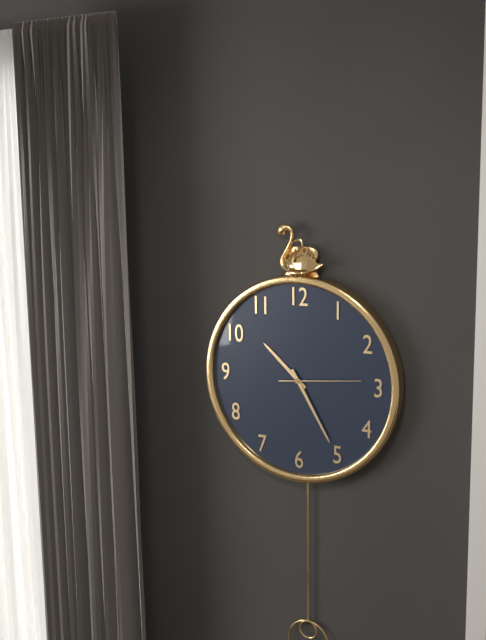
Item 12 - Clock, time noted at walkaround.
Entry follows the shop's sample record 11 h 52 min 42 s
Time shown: 10 h 25 min 14 s
